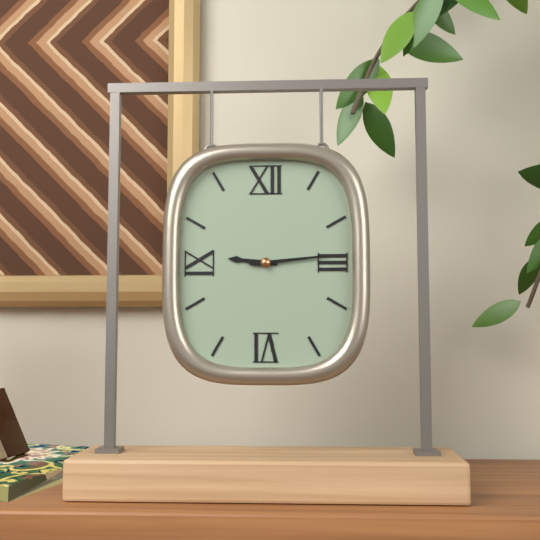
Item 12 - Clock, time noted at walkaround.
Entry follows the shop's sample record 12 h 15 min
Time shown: 9 h 14 min
